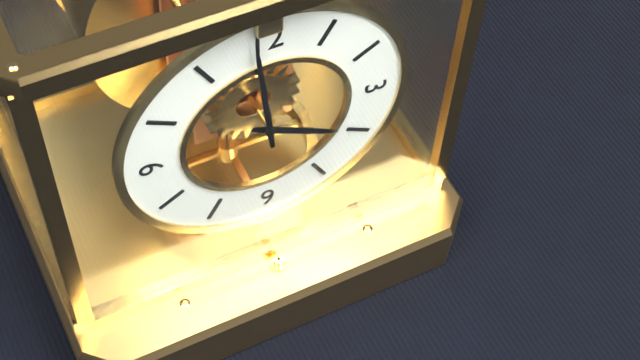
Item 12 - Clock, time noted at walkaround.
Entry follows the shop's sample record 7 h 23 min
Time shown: 3 h 59 min
